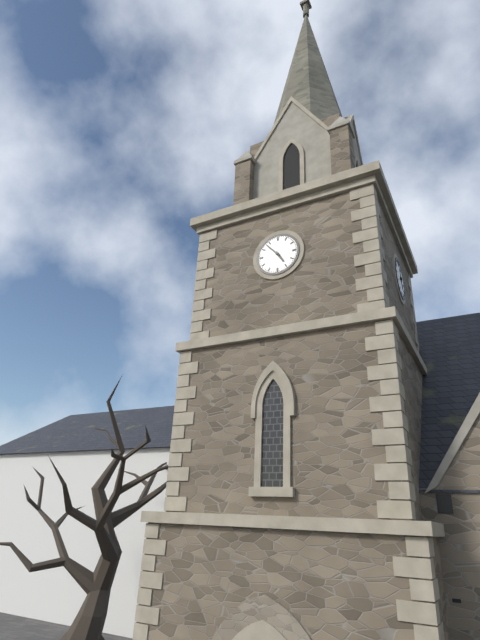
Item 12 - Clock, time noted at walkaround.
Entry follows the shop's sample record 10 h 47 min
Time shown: 4 h 53 min
